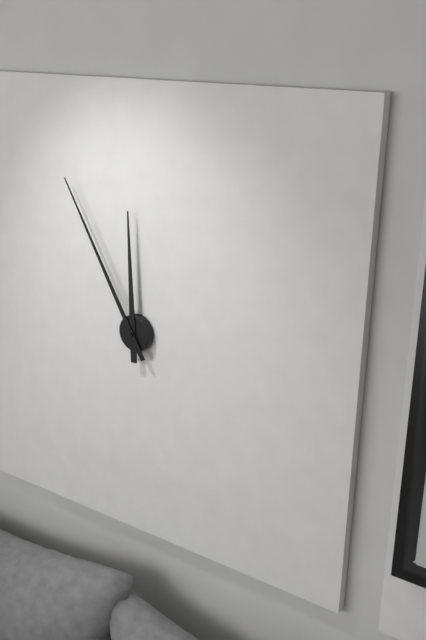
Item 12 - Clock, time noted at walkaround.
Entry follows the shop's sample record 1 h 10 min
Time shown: 11 h 55 min
